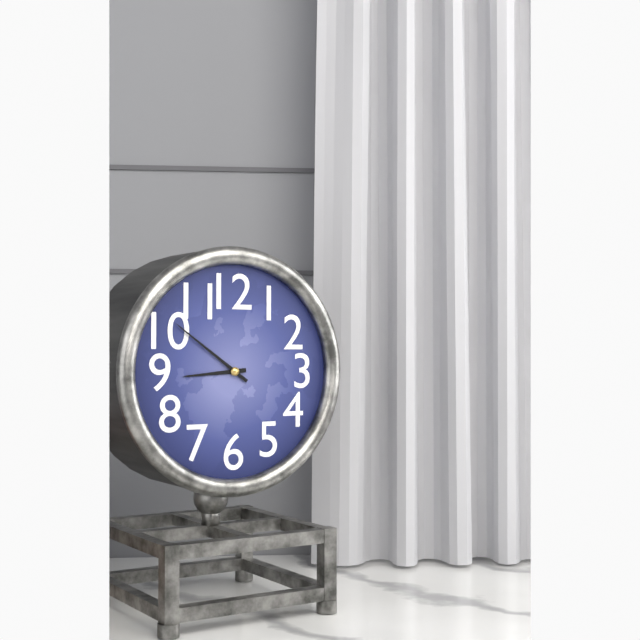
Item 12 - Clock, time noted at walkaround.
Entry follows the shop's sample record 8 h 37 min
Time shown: 8 h 51 min
